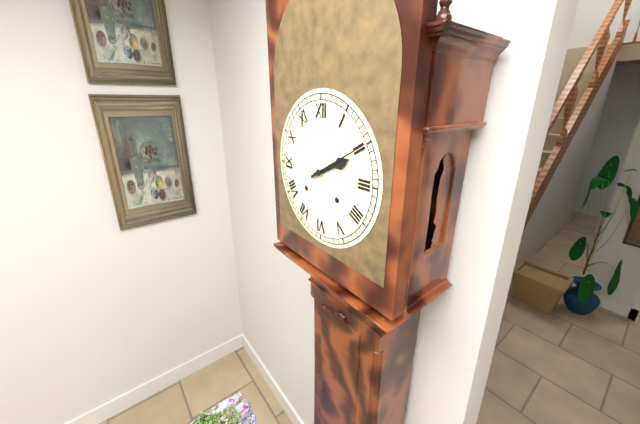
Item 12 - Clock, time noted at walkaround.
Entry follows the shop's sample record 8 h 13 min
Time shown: 2 h 10 min
